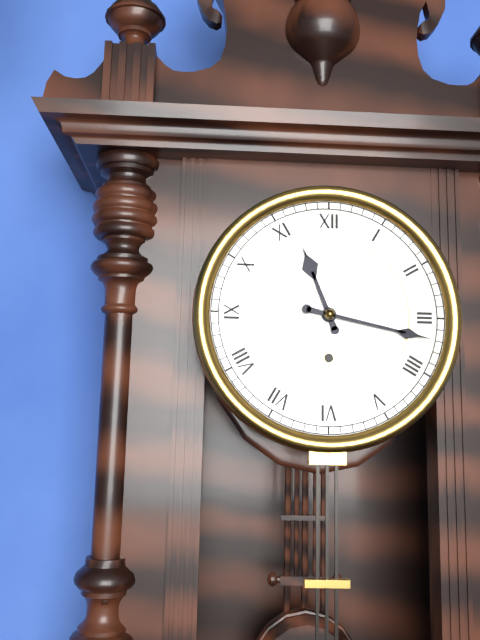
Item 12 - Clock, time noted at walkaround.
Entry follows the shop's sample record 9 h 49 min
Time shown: 11 h 17 min
